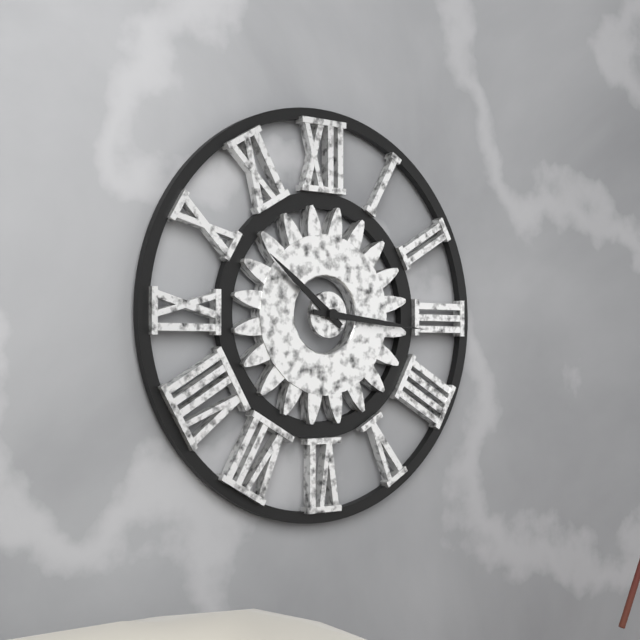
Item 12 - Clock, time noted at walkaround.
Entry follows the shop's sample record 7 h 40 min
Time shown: 10 h 16 min
